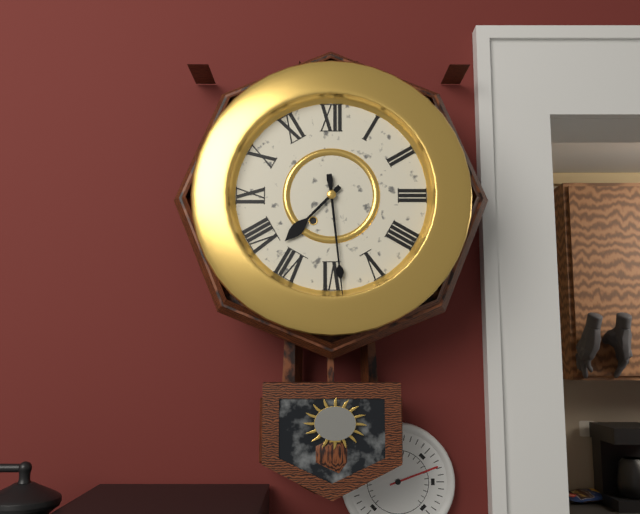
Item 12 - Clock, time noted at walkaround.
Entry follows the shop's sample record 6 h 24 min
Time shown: 7 h 29 min
